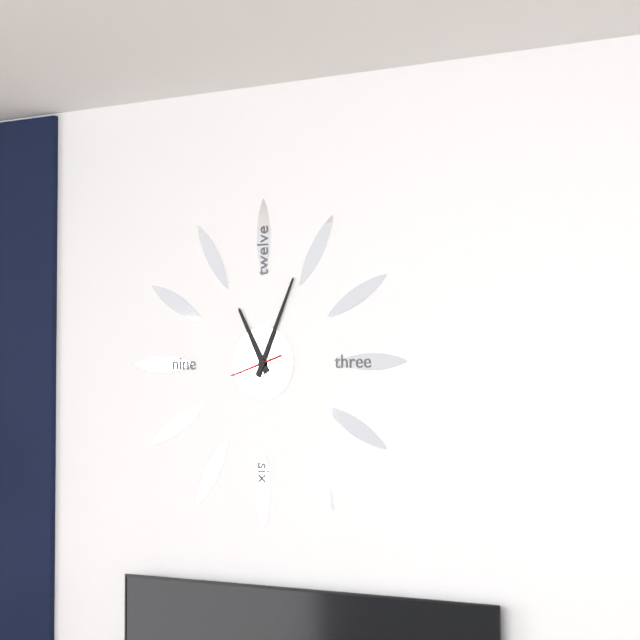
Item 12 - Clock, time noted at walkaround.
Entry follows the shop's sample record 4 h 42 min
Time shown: 11 h 04 min
